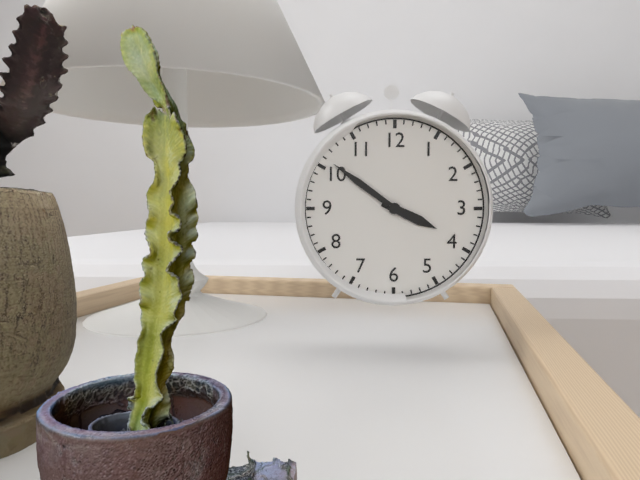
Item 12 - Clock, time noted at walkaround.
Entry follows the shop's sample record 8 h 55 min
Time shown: 3 h 51 min
